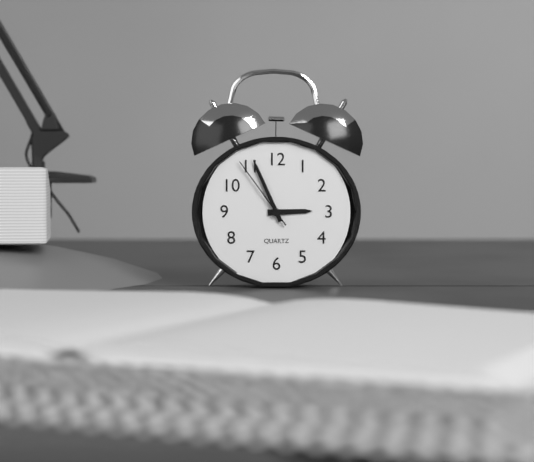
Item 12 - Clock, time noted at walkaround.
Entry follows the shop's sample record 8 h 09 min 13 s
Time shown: 2 h 56 min 54 s
